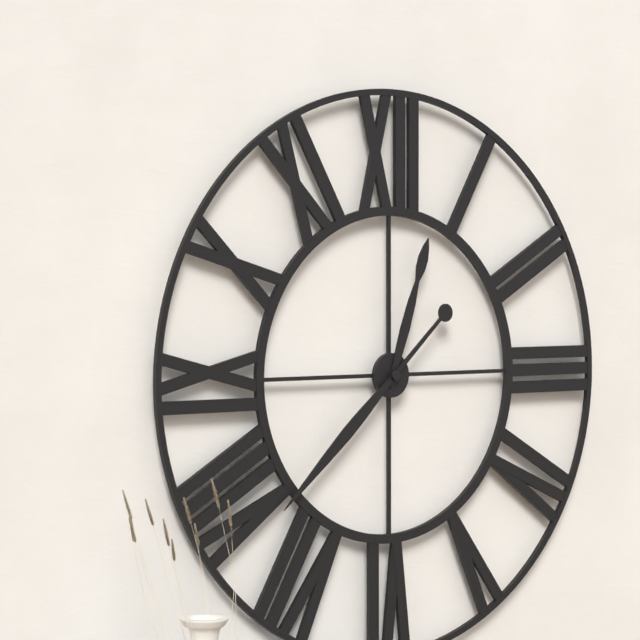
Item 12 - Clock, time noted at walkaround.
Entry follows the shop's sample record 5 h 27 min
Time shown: 12 h 38 min
